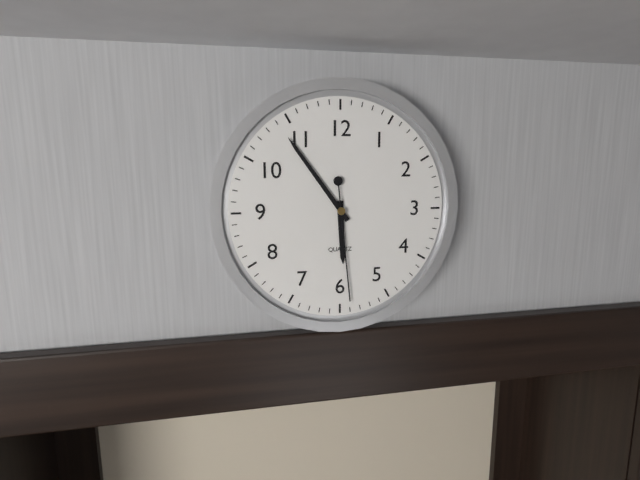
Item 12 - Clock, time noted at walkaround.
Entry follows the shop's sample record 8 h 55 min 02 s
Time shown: 5 h 54 min 29 s
